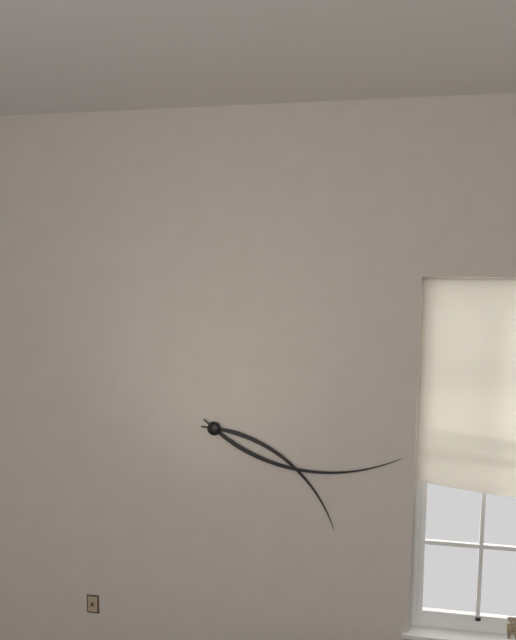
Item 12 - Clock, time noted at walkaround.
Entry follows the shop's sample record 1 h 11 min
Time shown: 4 h 16 min
